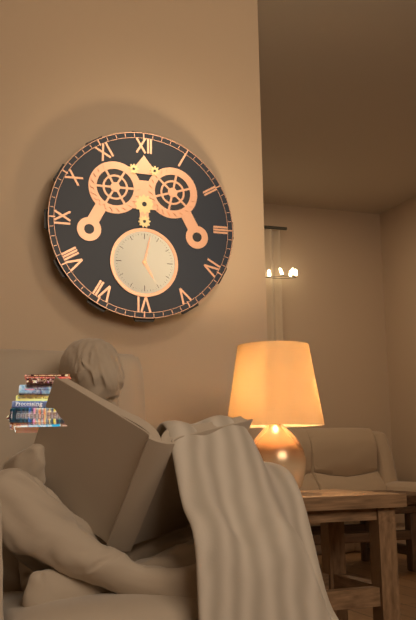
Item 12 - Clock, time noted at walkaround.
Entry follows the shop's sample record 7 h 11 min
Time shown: 5 h 02 min
